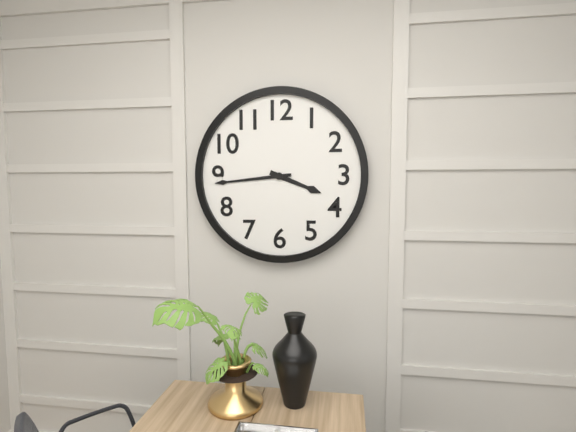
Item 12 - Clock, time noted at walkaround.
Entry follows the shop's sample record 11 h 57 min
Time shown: 3 h 44 min
